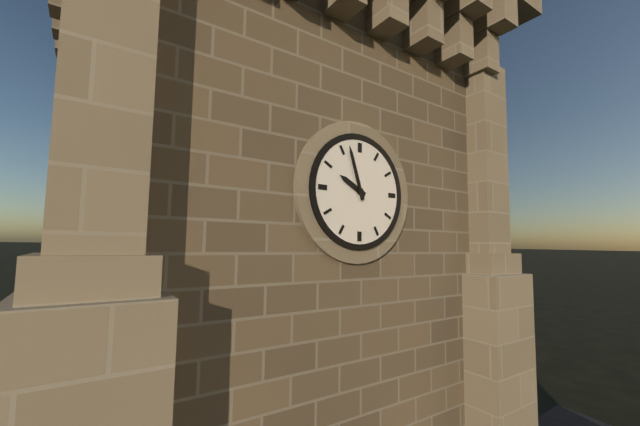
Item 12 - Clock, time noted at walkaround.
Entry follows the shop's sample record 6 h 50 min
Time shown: 9 h 57 min
